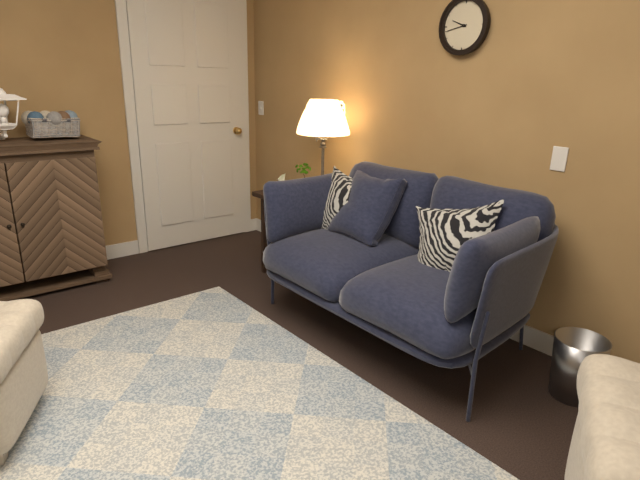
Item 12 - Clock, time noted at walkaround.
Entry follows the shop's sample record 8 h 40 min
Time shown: 9 h 43 min
